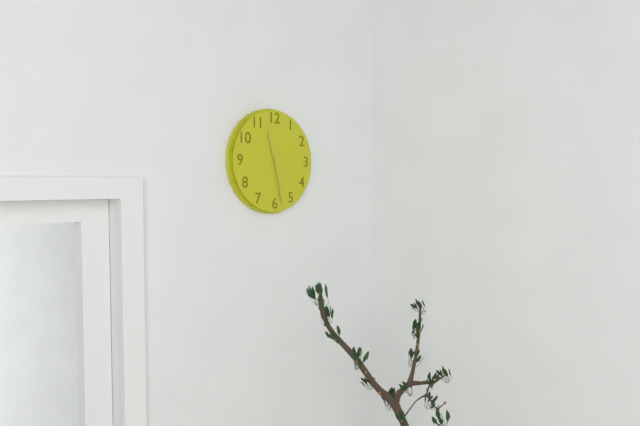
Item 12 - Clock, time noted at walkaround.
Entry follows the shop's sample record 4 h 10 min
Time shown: 11 h 28 min
